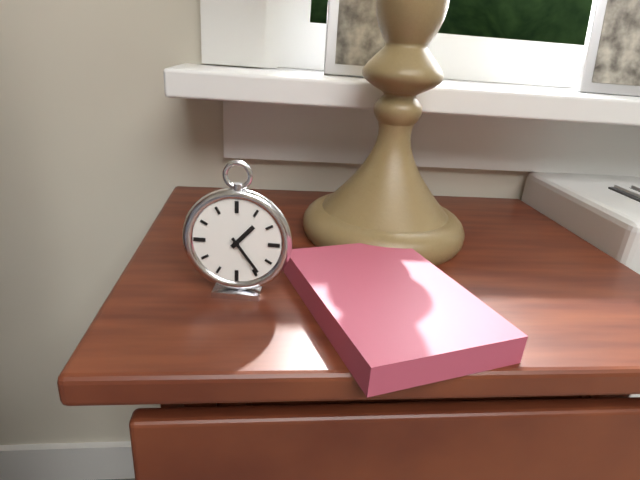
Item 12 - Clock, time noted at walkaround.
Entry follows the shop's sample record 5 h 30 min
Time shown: 1 h 24 min
